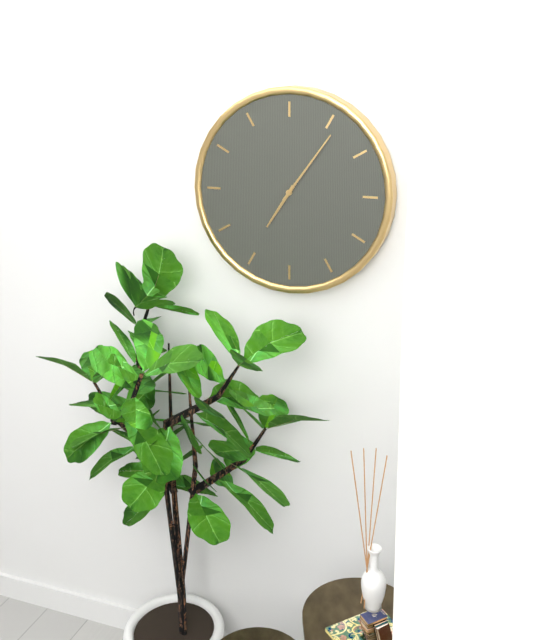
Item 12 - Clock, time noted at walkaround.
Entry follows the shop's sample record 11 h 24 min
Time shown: 7 h 06 min
